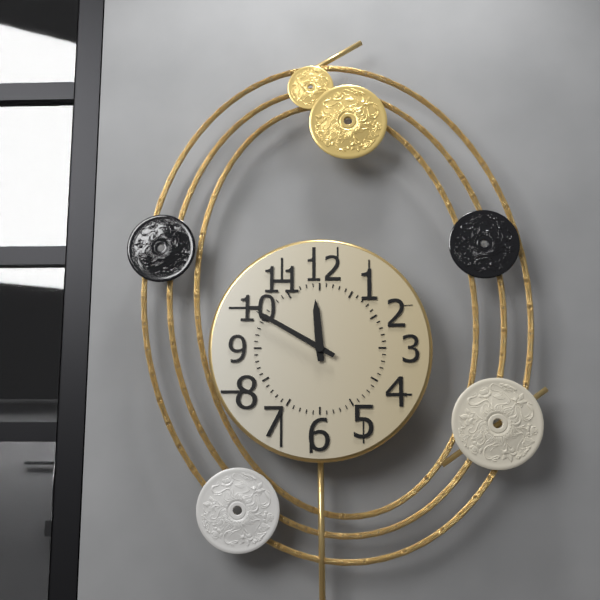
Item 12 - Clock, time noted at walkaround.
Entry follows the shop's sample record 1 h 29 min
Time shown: 11 h 50 min
